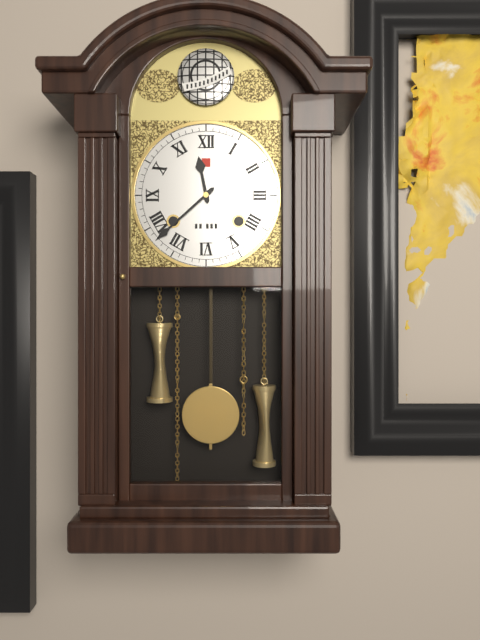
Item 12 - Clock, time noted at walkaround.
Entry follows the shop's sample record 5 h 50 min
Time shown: 11 h 38 min
